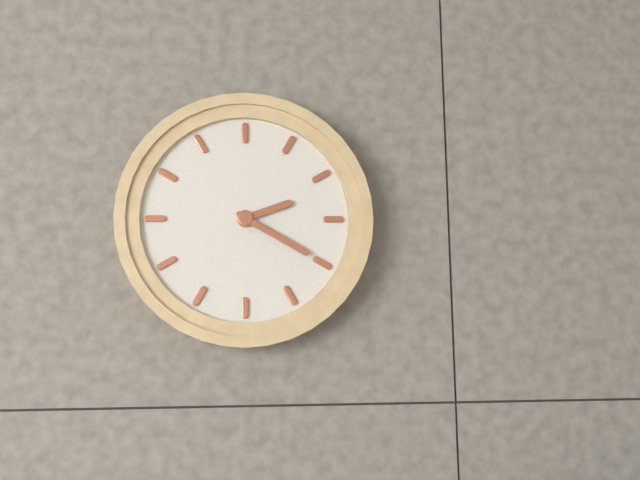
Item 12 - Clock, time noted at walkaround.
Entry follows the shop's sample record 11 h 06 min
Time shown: 2 h 20 min
